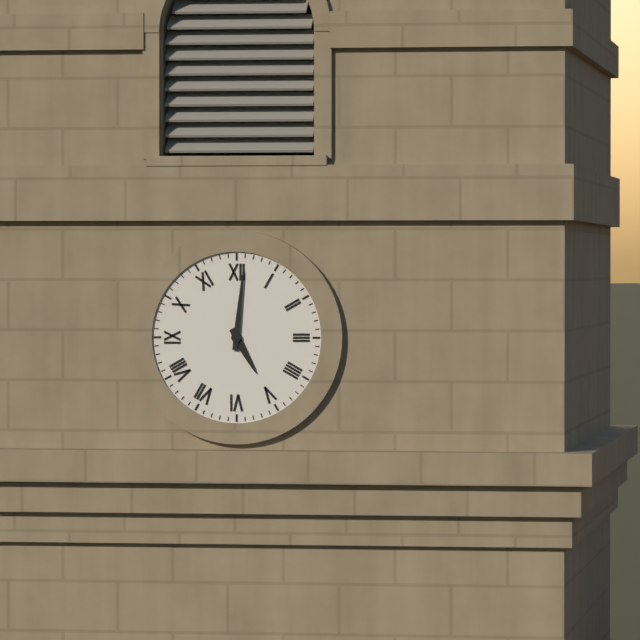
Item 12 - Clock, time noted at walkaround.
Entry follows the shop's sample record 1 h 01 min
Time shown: 5 h 01 min
